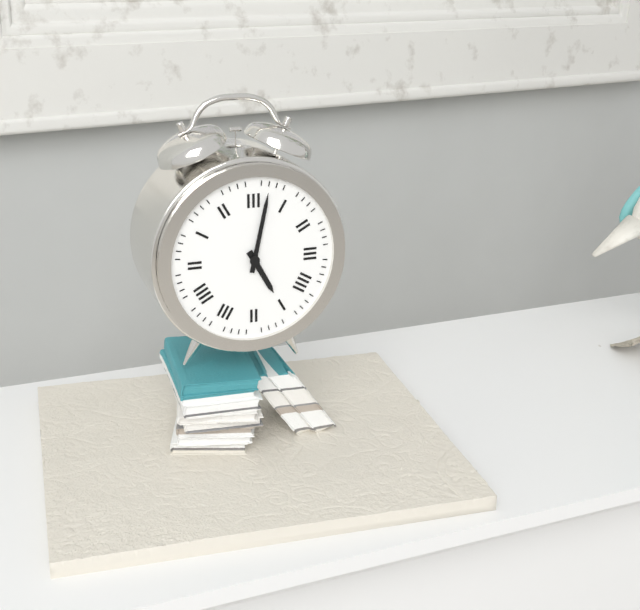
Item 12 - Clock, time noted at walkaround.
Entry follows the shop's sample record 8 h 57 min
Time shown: 5 h 02 min
